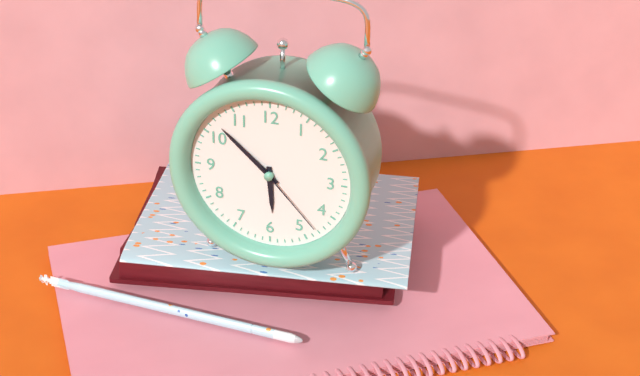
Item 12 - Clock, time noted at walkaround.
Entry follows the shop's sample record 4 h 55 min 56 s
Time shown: 5 h 52 min 23 s
